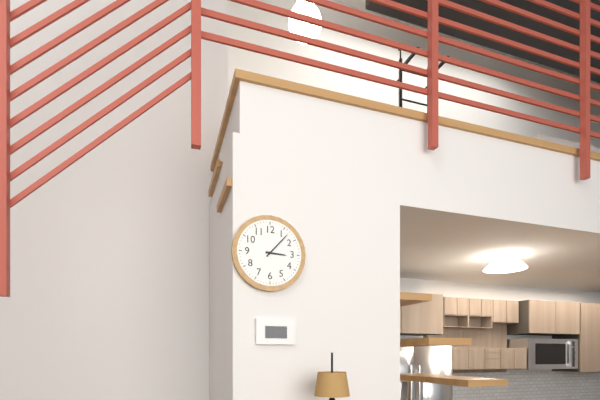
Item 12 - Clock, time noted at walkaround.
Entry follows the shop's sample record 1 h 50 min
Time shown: 3 h 07 min
